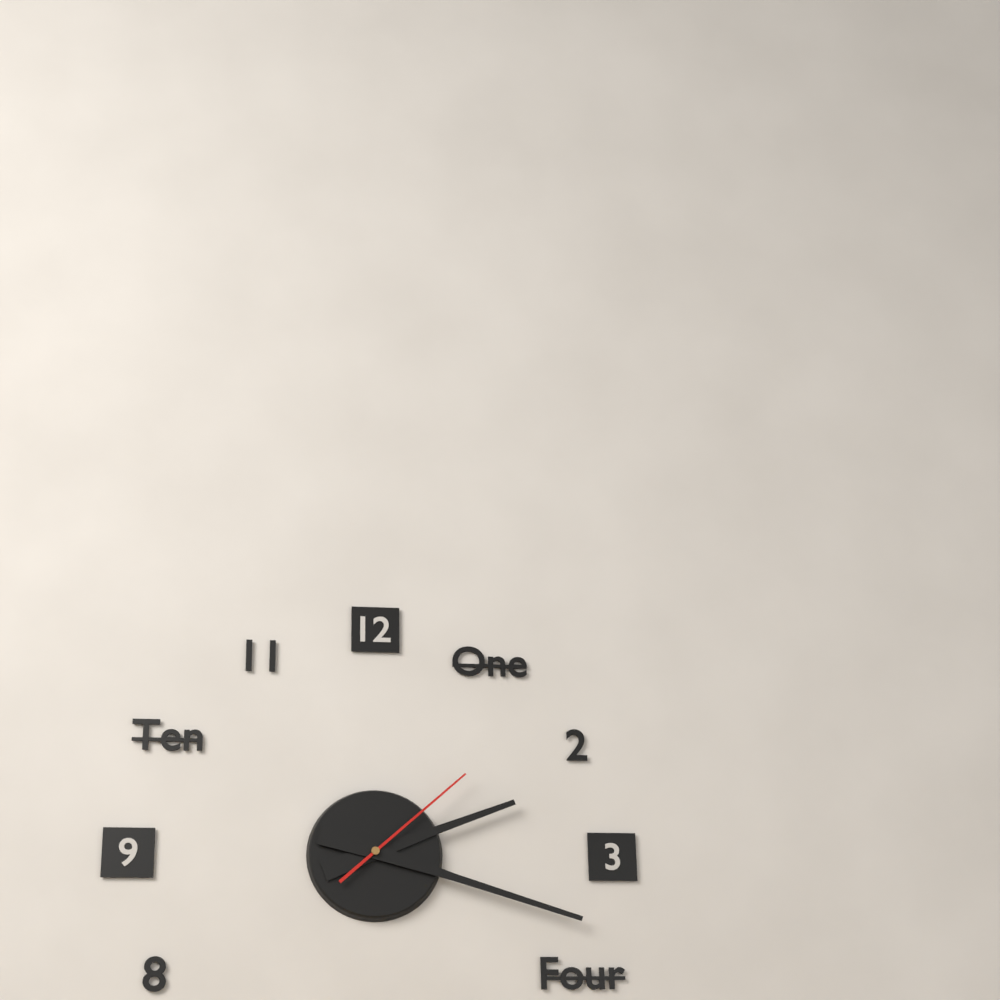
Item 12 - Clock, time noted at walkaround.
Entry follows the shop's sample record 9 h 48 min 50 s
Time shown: 2 h 18 min 08 s
